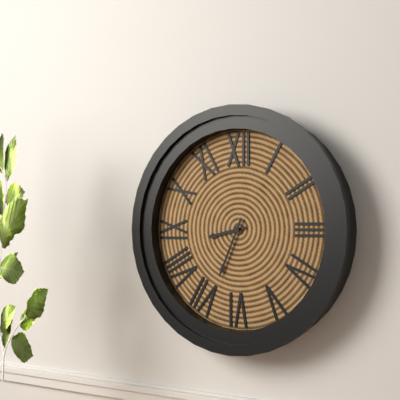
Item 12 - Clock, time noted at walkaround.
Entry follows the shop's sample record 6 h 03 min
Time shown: 8 h 34 min
